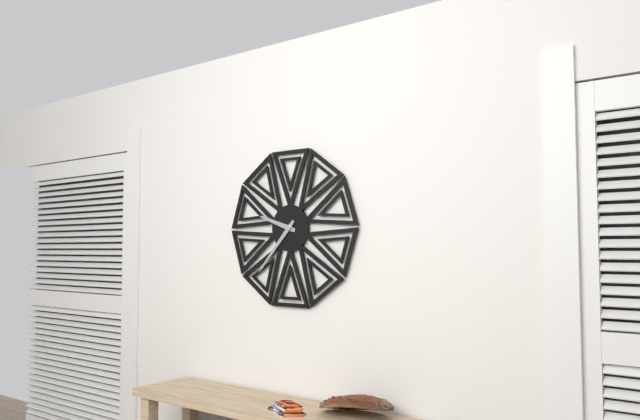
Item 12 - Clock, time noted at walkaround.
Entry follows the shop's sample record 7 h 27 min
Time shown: 9 h 37 min
